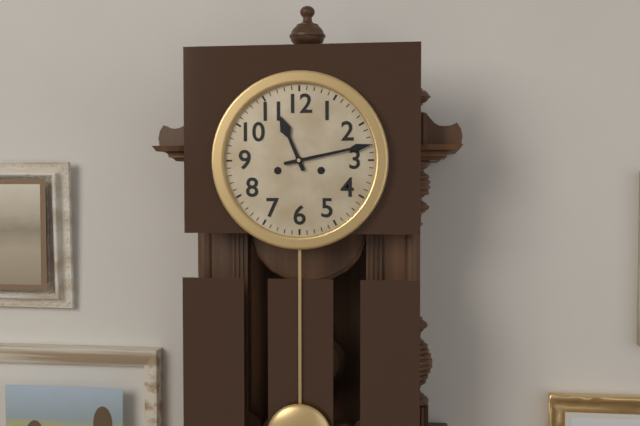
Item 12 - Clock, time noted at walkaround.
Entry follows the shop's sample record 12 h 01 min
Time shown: 11 h 13 min
